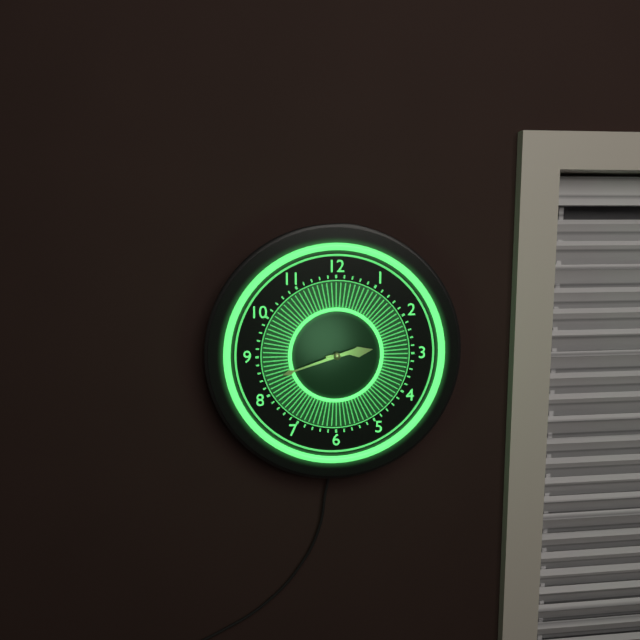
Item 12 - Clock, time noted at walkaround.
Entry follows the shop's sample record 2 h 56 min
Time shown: 2 h 42 min
